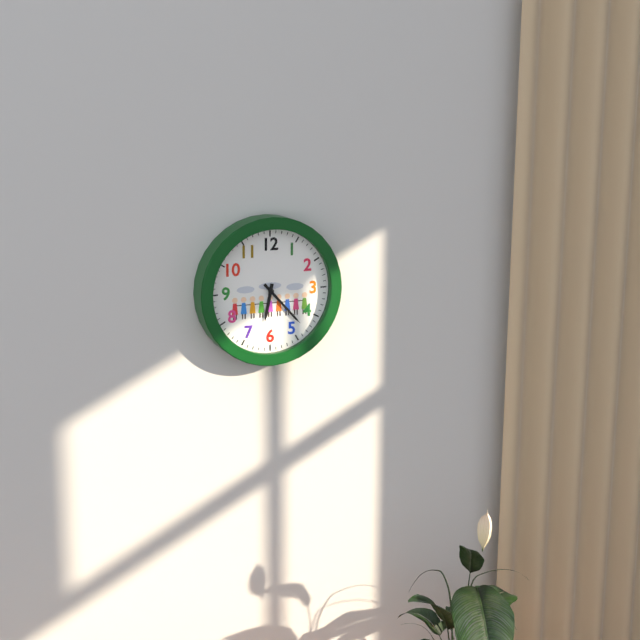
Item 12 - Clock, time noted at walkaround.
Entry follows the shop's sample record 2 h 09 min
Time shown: 6 h 23 min
